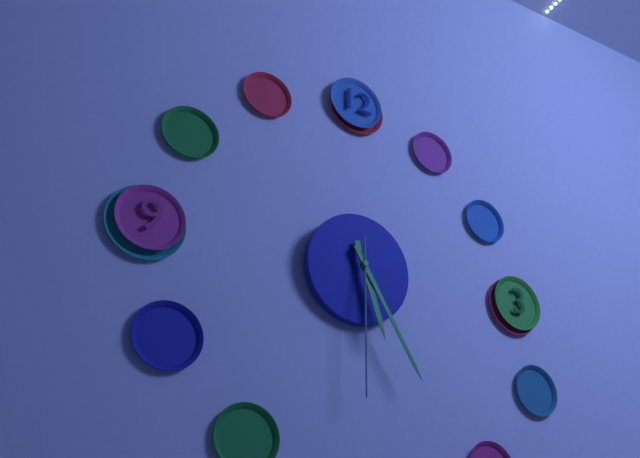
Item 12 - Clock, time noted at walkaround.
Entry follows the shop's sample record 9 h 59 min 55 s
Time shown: 5 h 25 min 30 s
